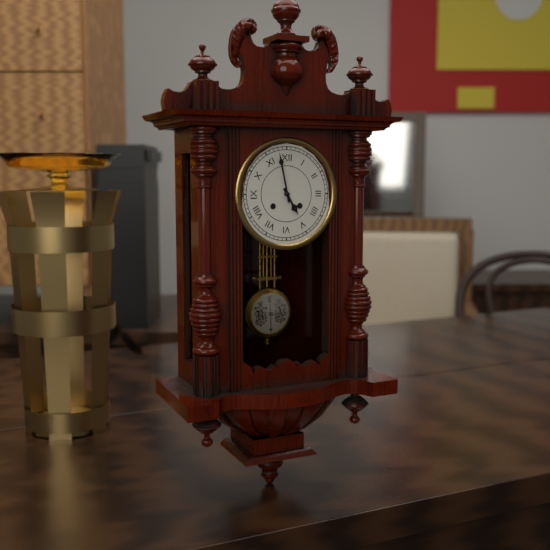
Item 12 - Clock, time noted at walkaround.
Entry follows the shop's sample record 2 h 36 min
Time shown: 4 h 58 min
